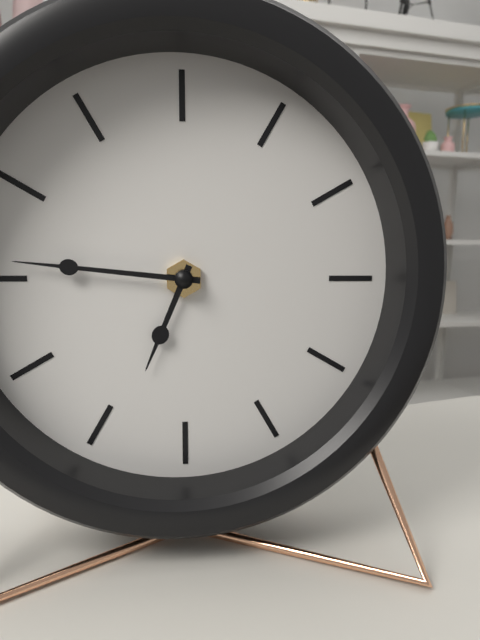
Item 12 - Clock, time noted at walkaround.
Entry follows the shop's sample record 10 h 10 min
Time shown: 6 h 46 min
